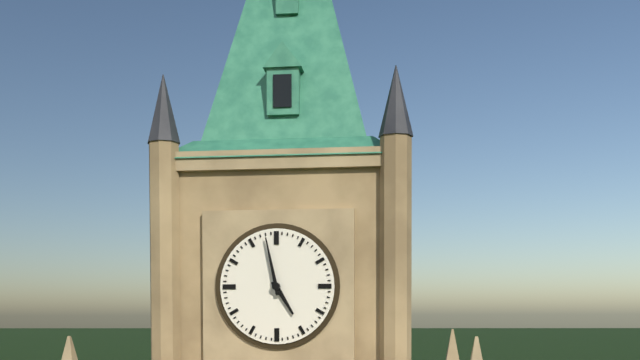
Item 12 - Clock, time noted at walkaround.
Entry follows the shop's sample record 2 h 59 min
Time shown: 4 h 58 min
